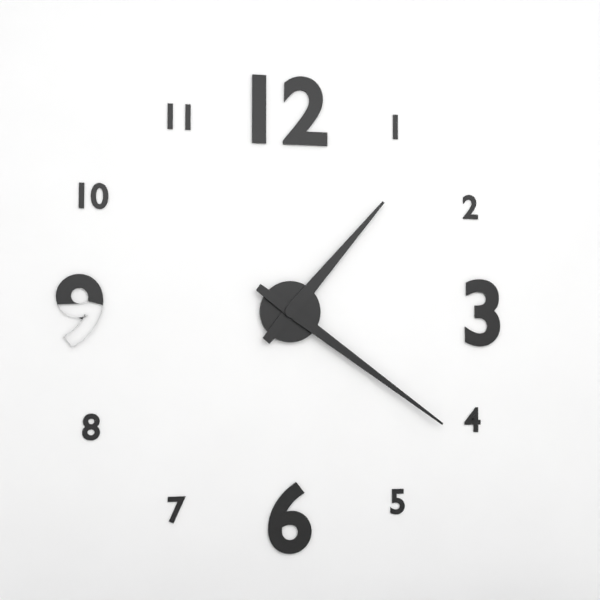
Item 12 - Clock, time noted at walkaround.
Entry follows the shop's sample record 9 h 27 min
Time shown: 1 h 21 min
